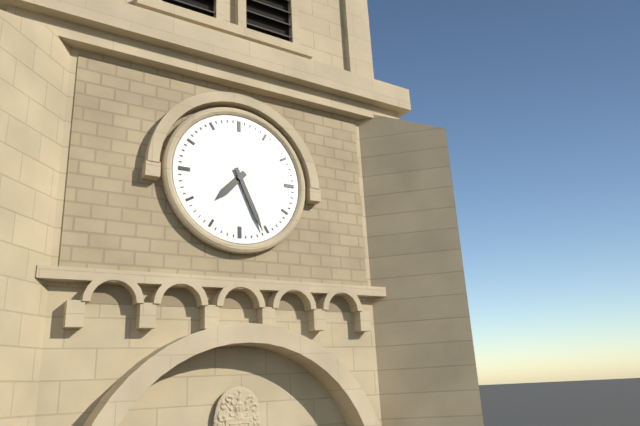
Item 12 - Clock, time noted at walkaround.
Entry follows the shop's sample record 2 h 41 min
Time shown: 7 h 26 min
